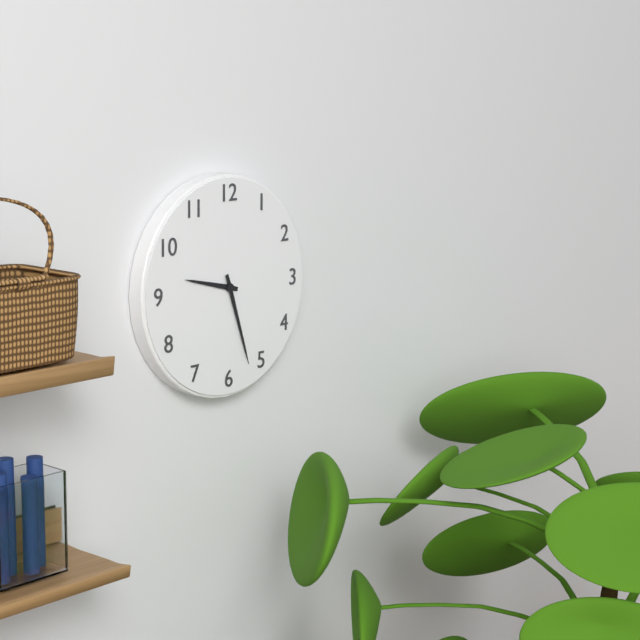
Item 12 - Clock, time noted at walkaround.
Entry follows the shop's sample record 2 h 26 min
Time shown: 9 h 27 min
